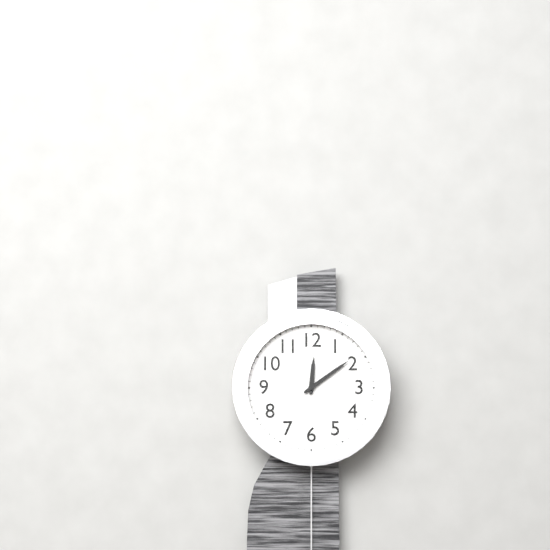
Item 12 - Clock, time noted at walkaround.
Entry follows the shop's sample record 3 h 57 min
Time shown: 12 h 09 min
